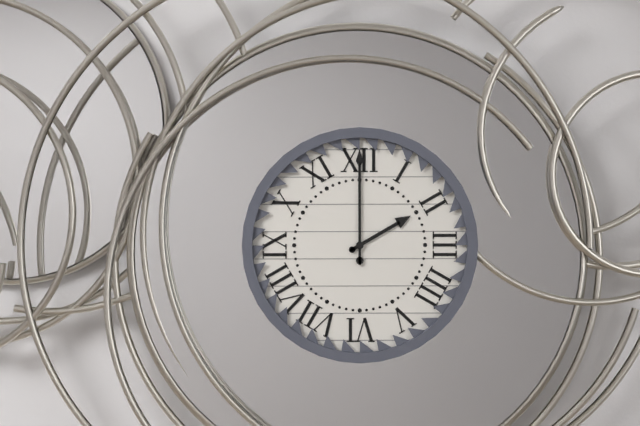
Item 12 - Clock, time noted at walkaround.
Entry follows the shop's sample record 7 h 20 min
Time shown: 2 h 00 min
